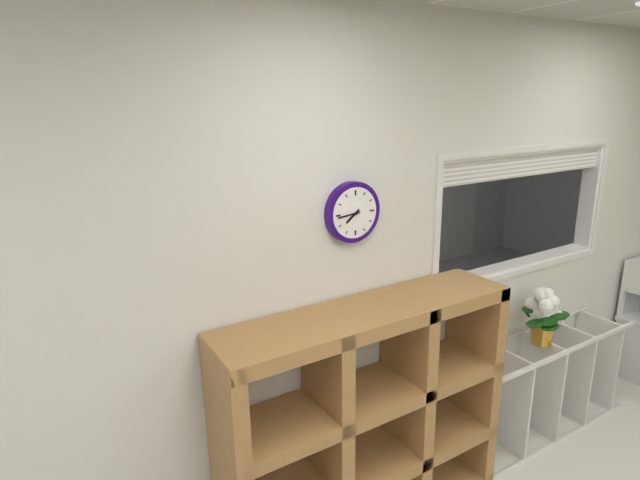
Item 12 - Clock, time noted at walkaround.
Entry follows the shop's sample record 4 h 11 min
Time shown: 7 h 44 min
